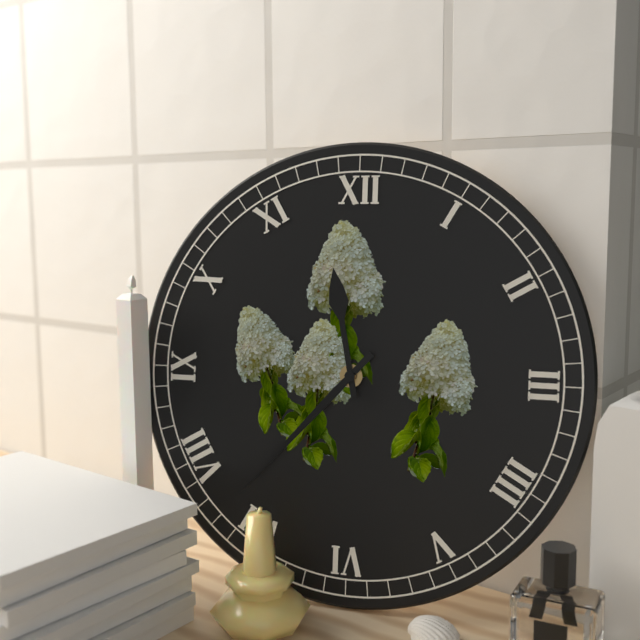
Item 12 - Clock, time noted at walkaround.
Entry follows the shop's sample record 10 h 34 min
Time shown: 11 h 37 min
